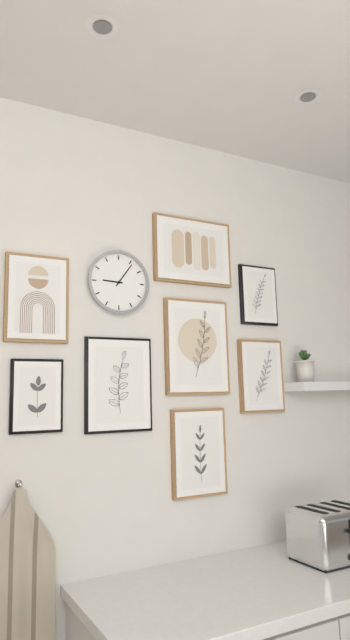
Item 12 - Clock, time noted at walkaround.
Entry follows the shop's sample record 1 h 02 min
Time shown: 9 h 06 min
